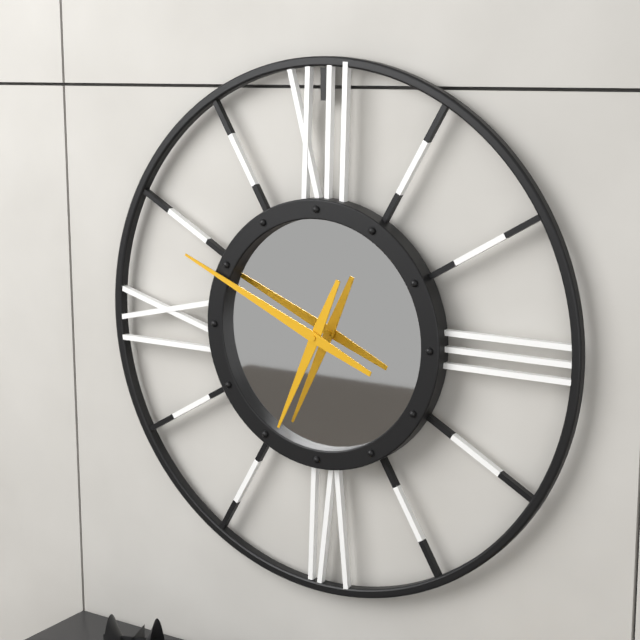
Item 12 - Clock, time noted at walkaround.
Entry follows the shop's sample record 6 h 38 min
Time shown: 6 h 49 min
